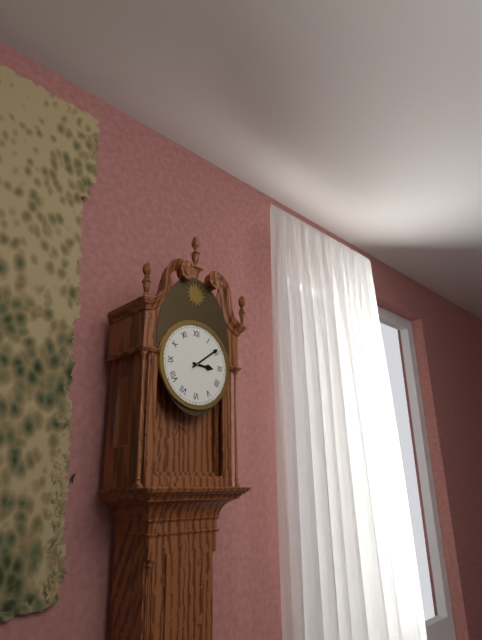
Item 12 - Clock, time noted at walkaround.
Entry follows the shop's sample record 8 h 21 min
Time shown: 3 h 09 min
